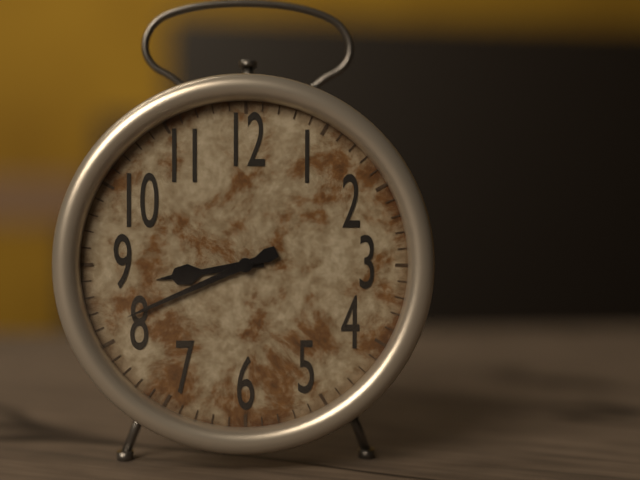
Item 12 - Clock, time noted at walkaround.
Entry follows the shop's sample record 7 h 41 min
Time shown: 8 h 41 min
